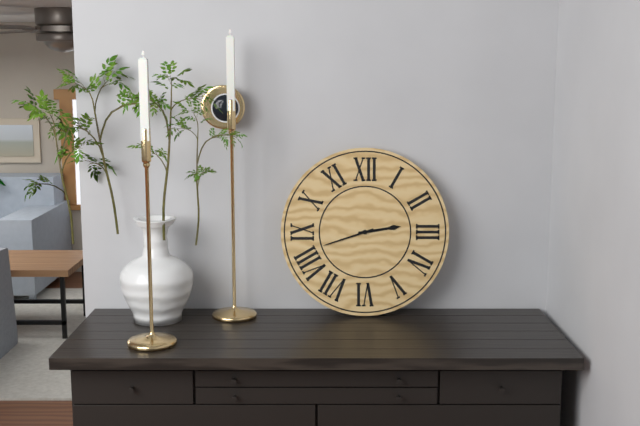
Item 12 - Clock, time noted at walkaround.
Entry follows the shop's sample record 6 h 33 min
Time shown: 2 h 42 min
